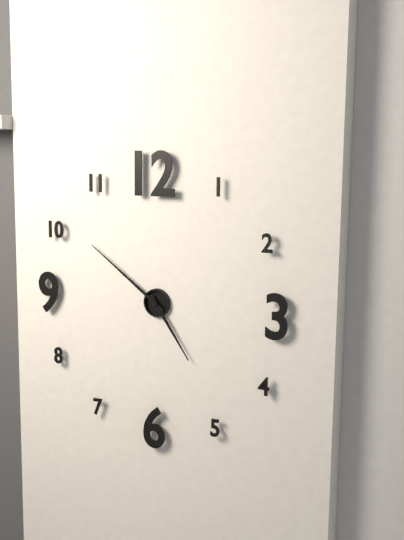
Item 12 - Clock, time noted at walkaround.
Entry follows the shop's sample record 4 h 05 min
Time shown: 4 h 51 min
